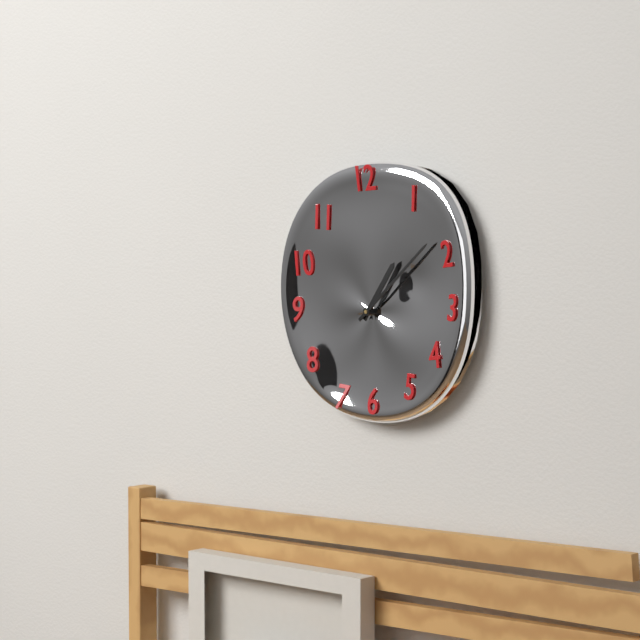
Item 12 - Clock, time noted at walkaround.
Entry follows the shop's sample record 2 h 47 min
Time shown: 1 h 08 min
